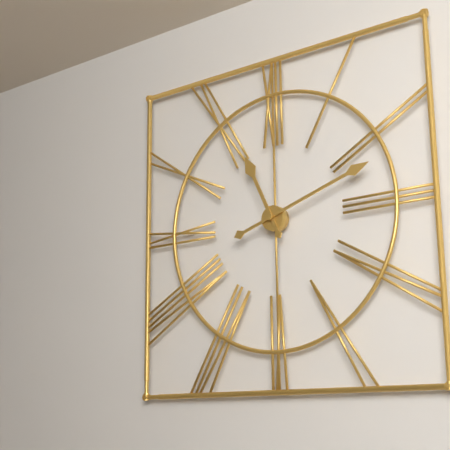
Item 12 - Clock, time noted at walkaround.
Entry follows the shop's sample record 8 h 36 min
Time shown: 11 h 12 min
